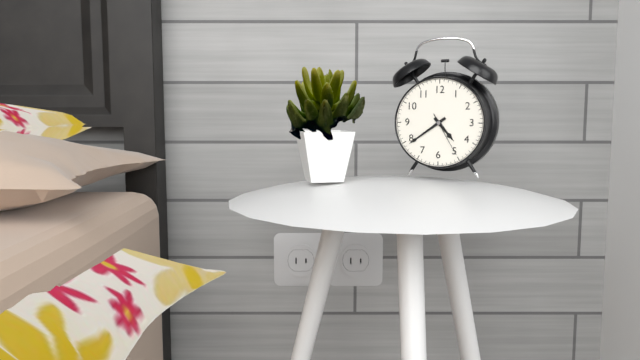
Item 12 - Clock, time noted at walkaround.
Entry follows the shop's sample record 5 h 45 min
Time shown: 4 h 39 min
